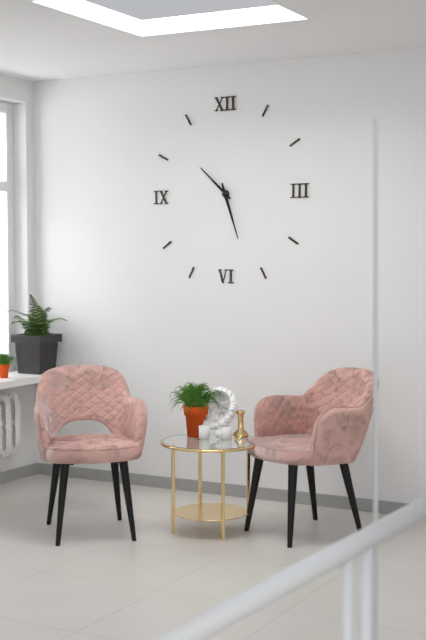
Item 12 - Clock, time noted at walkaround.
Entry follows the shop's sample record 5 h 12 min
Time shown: 10 h 27 min
